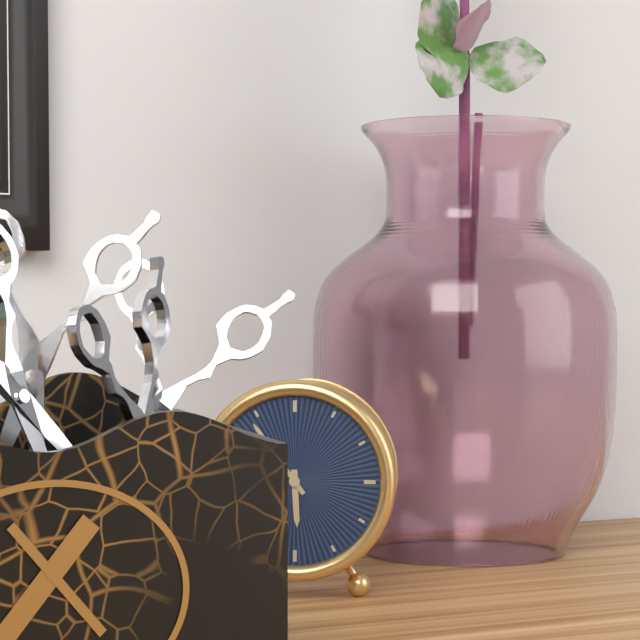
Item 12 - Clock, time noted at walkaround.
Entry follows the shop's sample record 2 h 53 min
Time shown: 5 h 54 min
